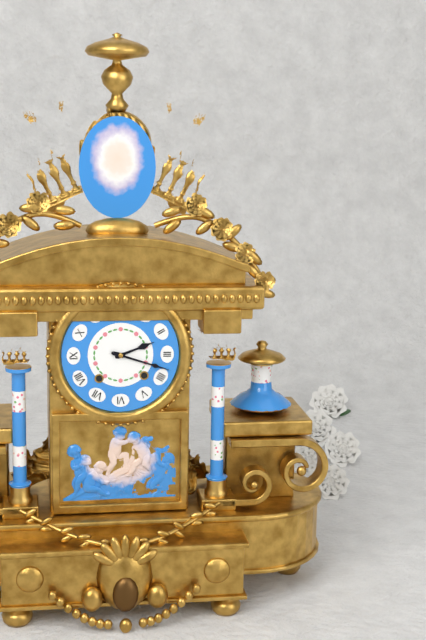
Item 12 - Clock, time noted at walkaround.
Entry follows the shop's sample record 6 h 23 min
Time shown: 2 h 18 min
